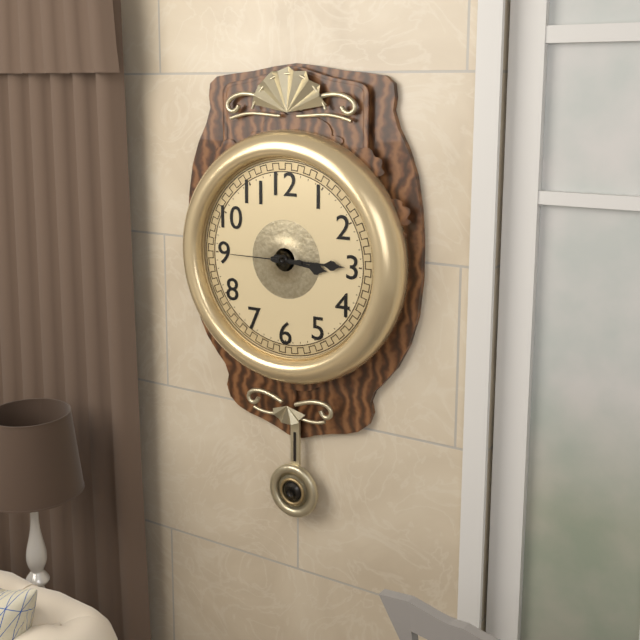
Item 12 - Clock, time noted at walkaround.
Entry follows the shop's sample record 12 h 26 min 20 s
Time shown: 3 h 15 min 45 s
